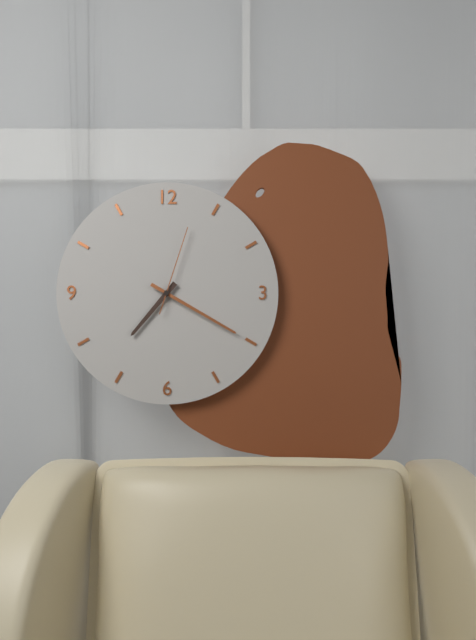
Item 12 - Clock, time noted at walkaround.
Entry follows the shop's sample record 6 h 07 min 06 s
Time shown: 7 h 20 min 03 s
